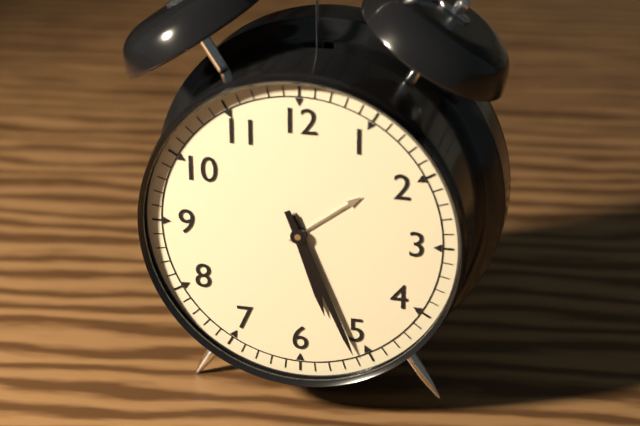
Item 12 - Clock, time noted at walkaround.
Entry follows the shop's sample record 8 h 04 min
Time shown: 5 h 26 min
